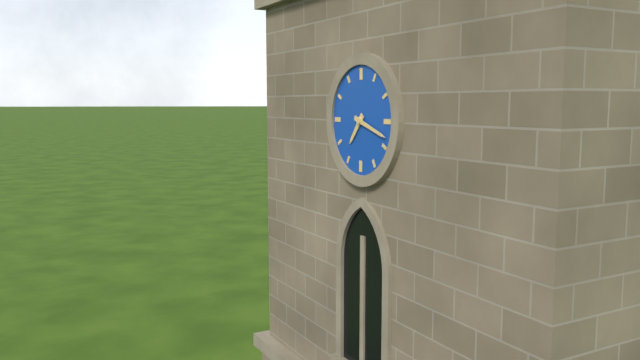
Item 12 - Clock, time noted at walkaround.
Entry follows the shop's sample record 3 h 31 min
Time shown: 7 h 18 min
